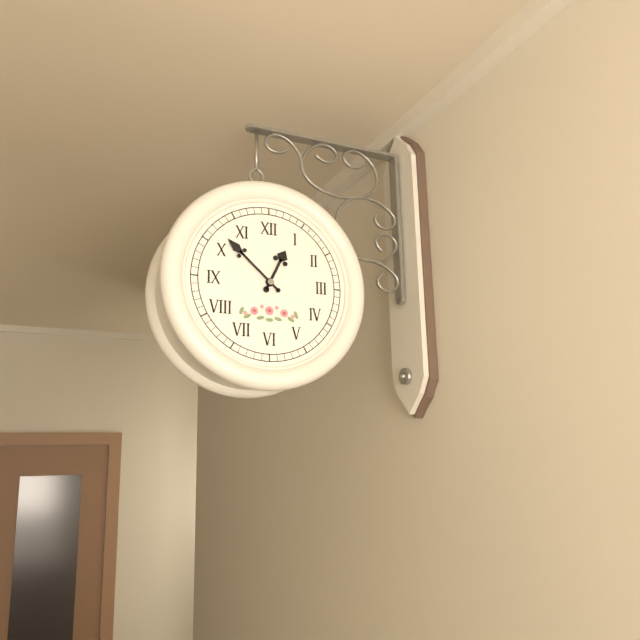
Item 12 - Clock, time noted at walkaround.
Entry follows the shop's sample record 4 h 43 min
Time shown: 12 h 52 min
